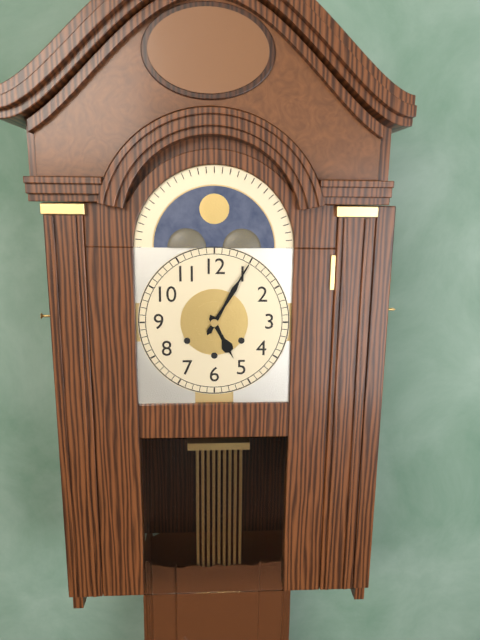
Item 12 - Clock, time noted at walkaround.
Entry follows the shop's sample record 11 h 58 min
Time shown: 5 h 05 min
